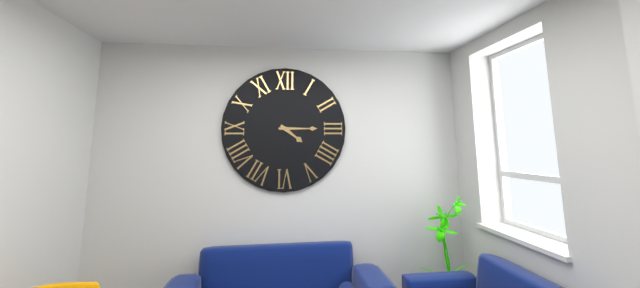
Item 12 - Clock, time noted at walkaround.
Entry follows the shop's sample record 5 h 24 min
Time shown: 4 h 15 min
